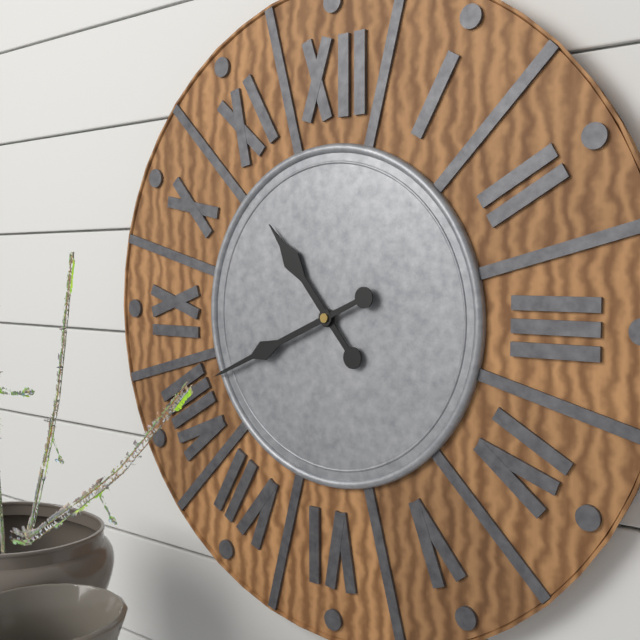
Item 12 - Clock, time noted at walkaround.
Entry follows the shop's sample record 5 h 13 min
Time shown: 10 h 41 min
